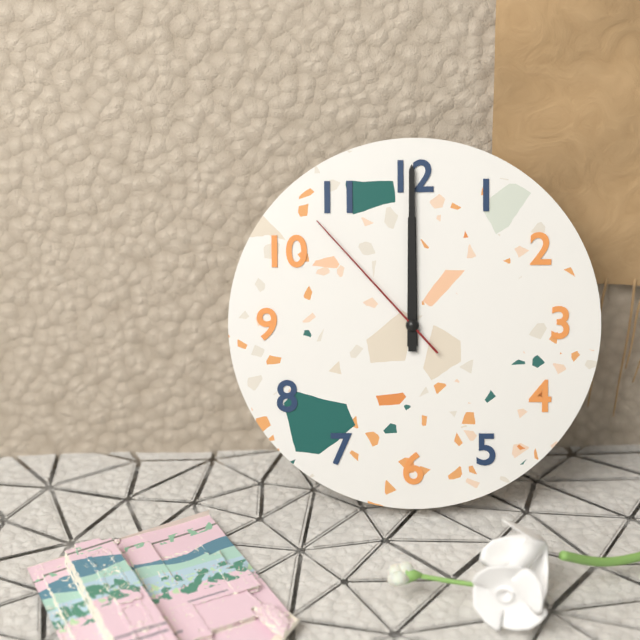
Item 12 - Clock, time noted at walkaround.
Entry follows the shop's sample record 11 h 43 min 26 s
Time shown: 12 h 00 min 53 s
